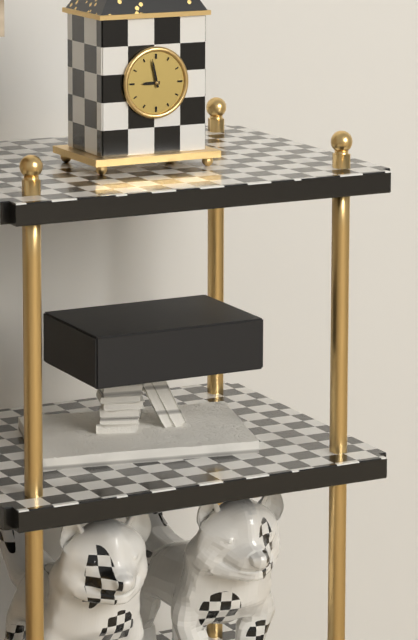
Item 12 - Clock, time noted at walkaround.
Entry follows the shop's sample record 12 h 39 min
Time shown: 8 h 58 min
